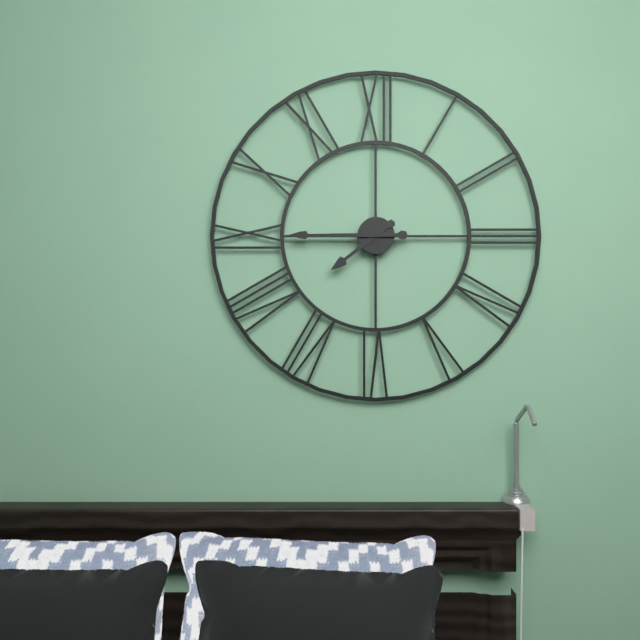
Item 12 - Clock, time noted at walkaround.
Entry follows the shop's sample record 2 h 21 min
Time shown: 7 h 45 min
